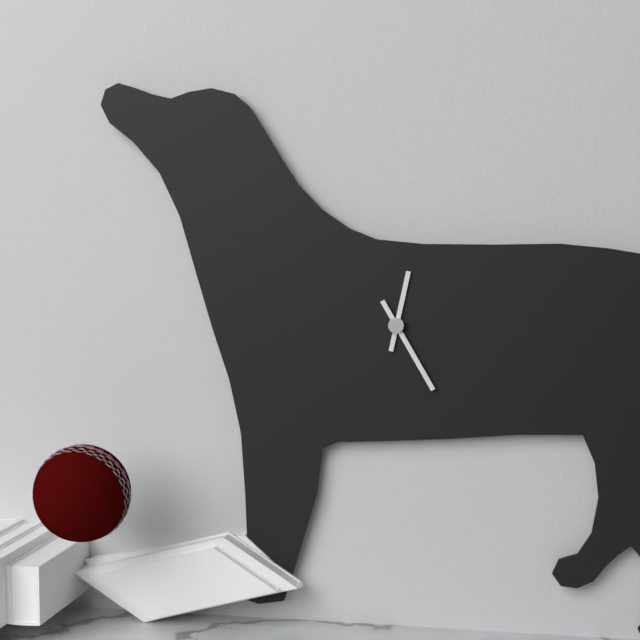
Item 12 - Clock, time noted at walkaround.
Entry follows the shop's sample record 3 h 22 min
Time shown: 12 h 25 min
